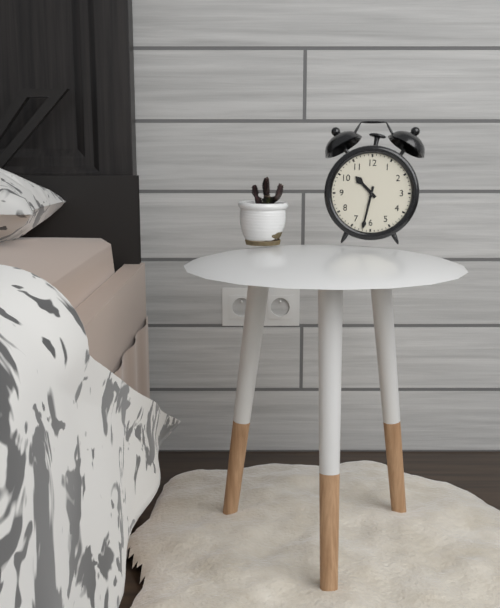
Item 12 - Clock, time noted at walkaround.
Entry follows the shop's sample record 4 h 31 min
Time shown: 10 h 32 min
